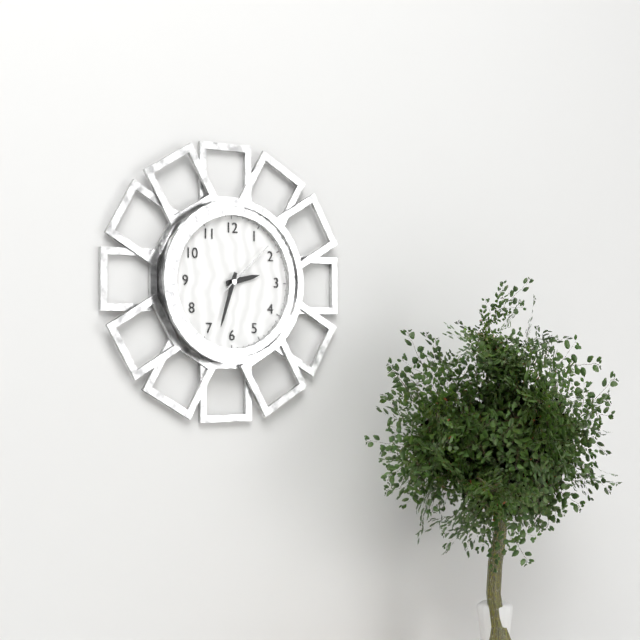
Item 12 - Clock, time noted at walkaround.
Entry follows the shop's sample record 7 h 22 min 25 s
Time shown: 2 h 33 min 08 s
